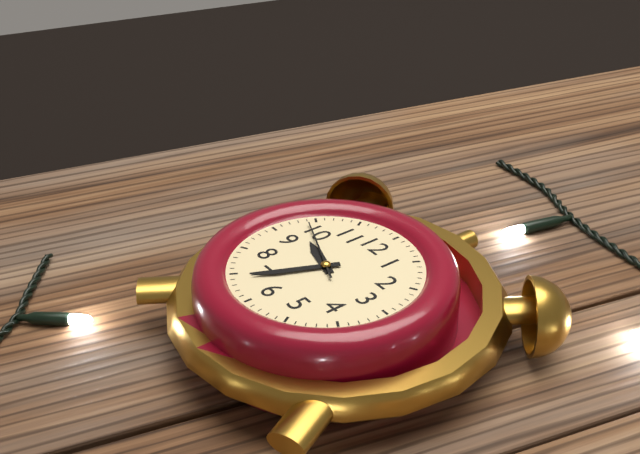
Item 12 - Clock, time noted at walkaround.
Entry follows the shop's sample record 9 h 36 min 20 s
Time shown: 9 h 34 min 49 s
